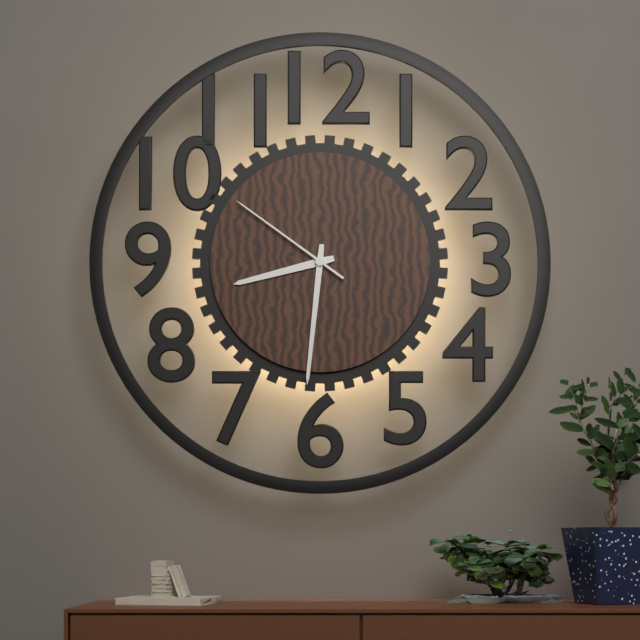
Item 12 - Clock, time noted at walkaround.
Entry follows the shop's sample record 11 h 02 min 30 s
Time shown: 8 h 31 min 51 s
